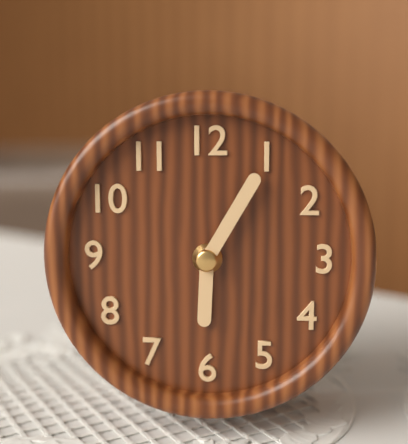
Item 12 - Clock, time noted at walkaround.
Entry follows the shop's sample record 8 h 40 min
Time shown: 6 h 05 min
